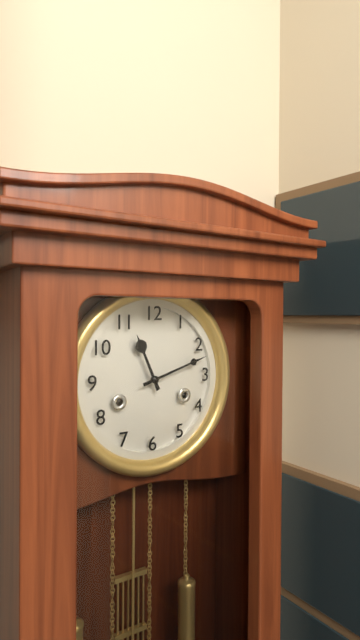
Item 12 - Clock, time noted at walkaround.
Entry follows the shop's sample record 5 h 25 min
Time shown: 11 h 12 min
